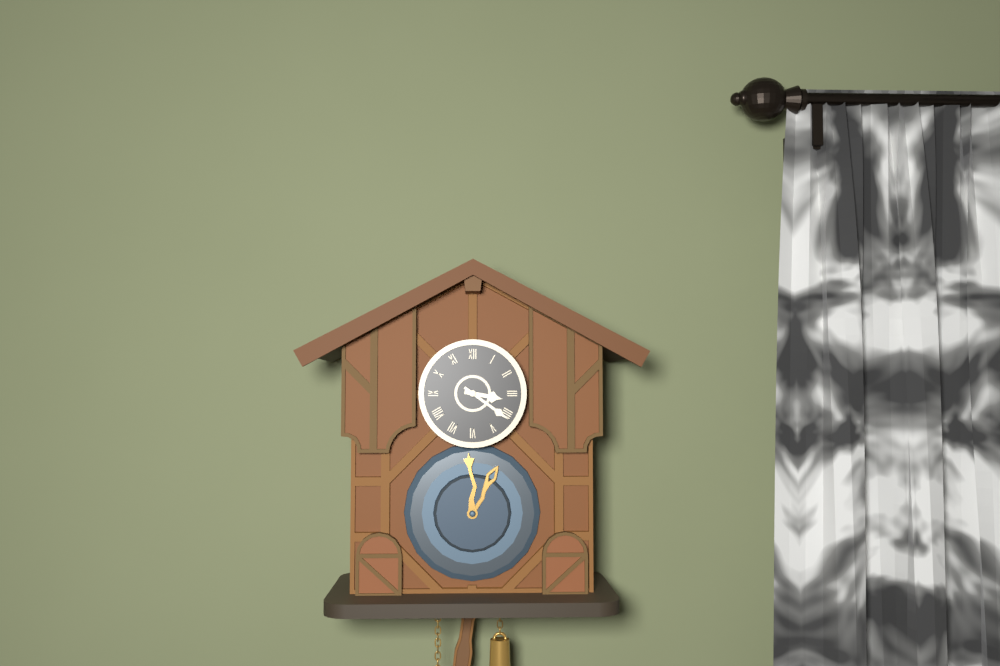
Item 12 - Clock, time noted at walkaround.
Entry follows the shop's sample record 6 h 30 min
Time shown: 3 h 21 min
